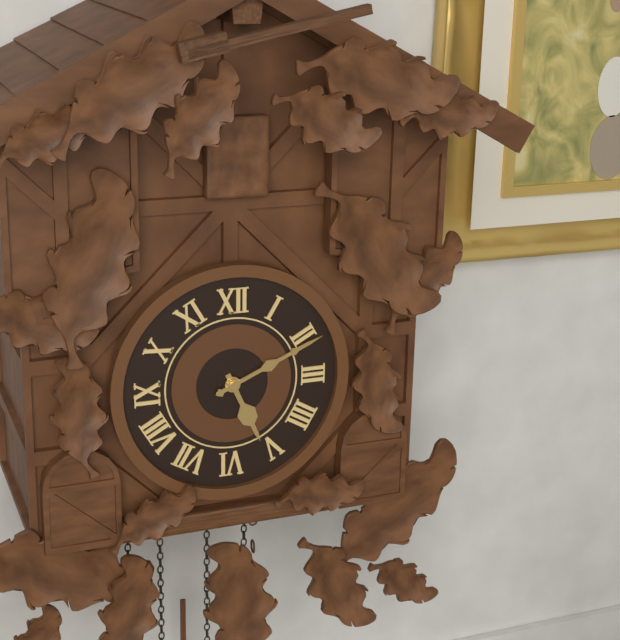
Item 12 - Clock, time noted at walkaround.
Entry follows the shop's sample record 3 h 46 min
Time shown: 5 h 11 min
